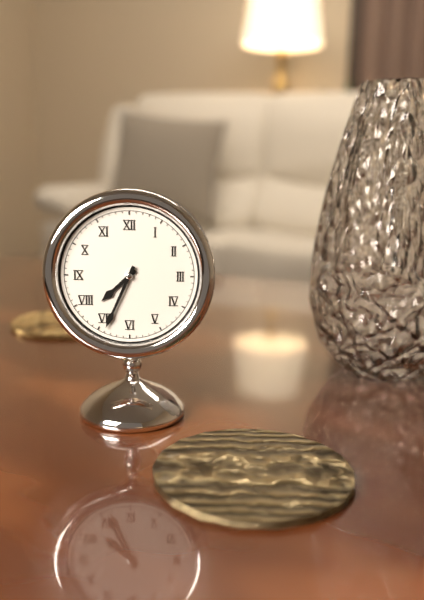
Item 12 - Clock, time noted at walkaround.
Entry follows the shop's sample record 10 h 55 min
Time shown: 7 h 34 min
